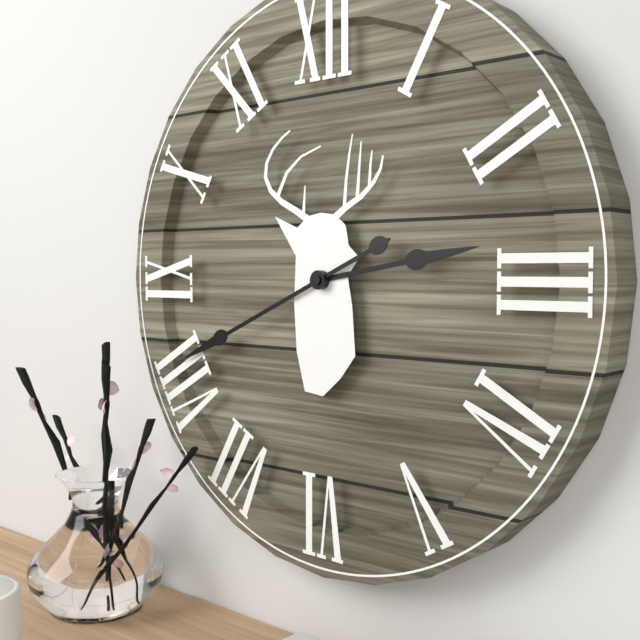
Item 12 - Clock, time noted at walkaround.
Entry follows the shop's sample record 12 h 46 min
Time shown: 2 h 41 min
